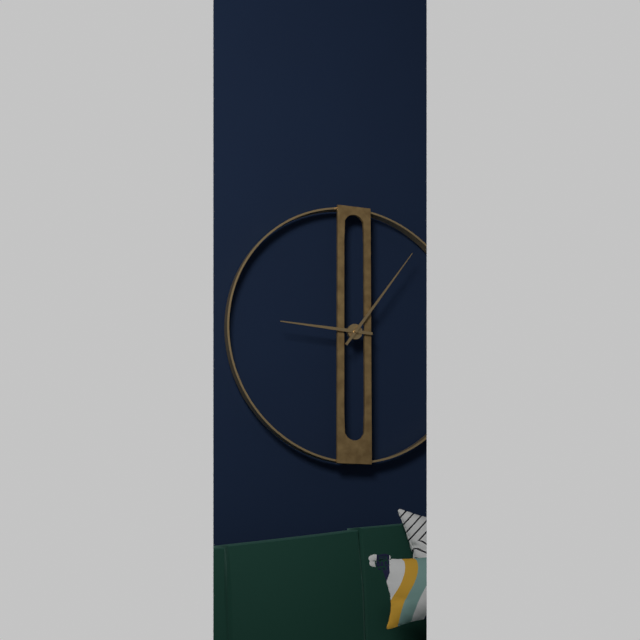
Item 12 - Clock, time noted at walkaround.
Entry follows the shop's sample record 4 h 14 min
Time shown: 9 h 06 min
